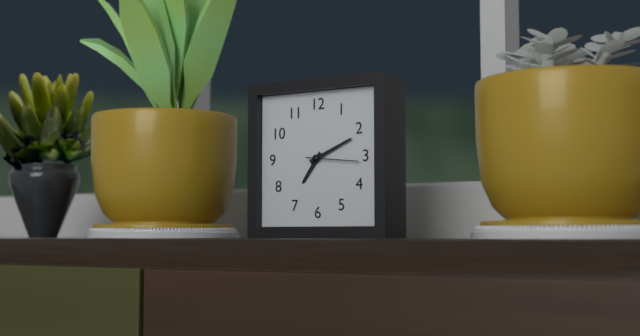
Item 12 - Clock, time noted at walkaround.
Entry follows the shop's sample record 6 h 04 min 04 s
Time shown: 7 h 11 min 16 s
